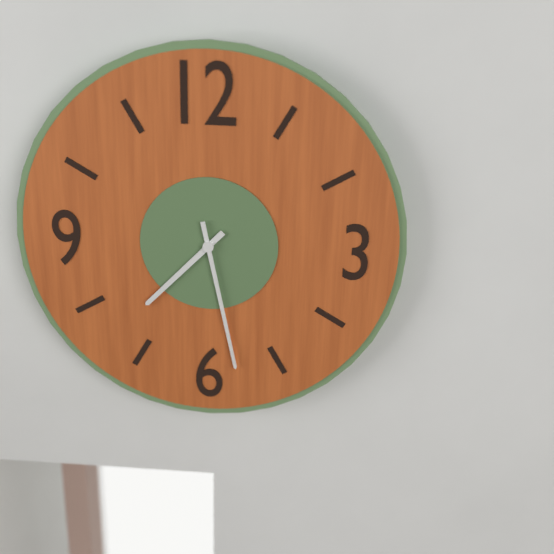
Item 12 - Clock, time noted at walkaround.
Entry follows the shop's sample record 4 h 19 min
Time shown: 7 h 28 min
